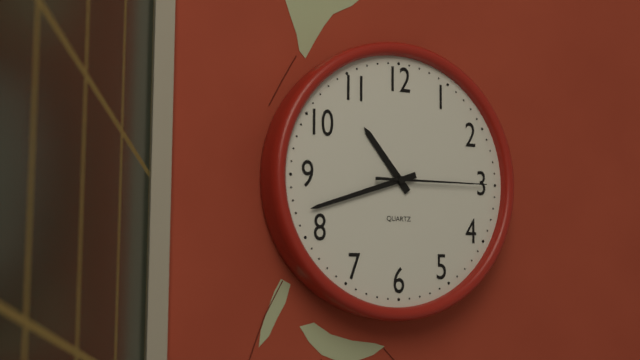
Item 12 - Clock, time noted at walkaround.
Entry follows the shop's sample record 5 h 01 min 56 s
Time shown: 10 h 42 min 15 s
